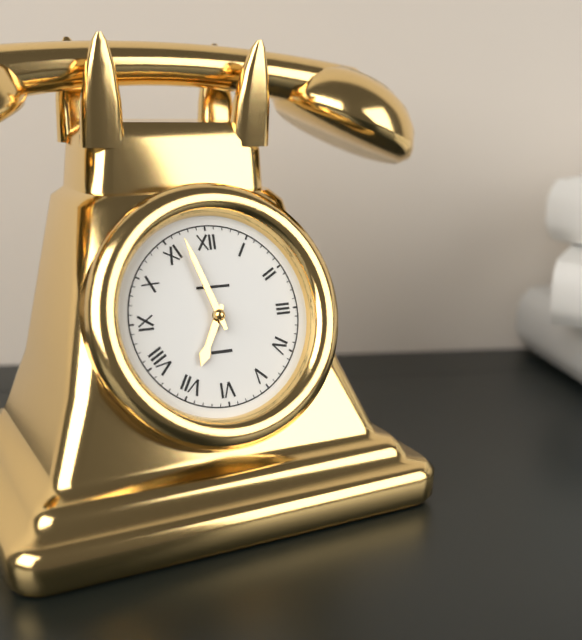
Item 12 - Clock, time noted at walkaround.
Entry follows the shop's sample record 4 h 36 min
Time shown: 6 h 57 min
